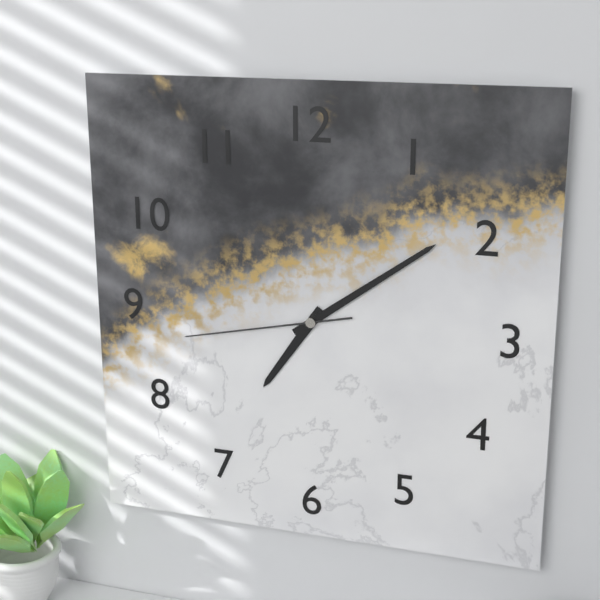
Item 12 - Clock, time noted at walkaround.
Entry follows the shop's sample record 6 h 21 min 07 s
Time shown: 7 h 09 min 43 s
